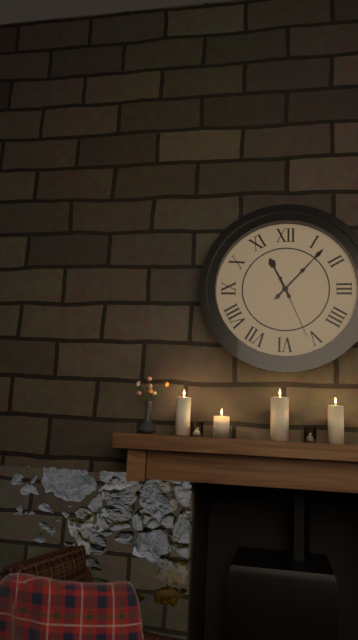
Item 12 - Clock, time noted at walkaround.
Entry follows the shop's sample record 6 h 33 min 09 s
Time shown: 11 h 07 min 26 s
